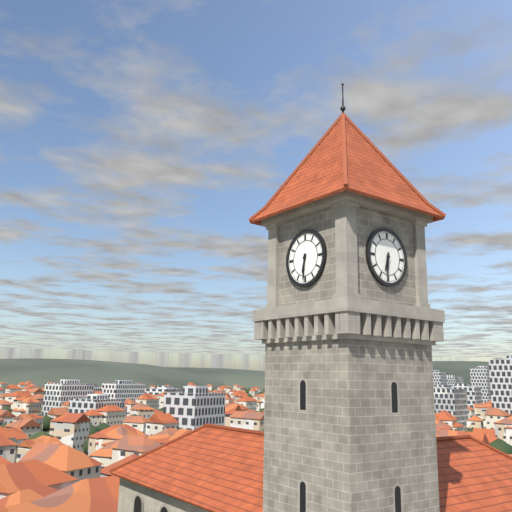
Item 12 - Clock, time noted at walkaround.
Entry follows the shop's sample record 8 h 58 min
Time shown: 6 h 31 min
